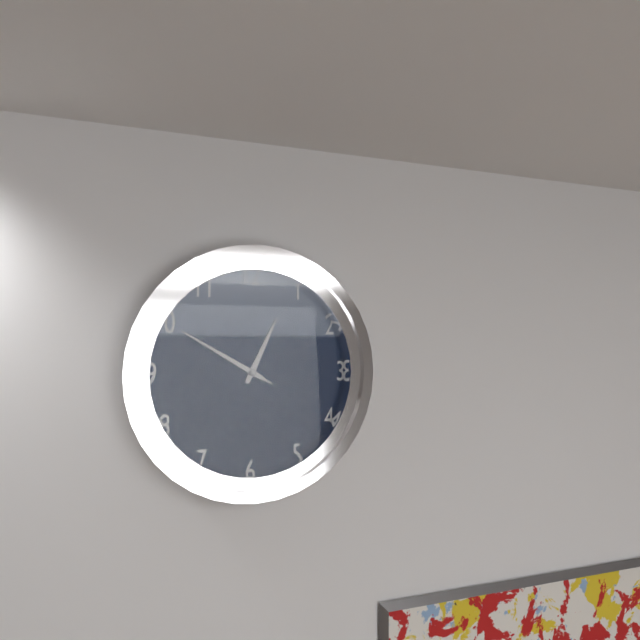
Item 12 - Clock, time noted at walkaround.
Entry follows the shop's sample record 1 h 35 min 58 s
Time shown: 12 h 50 min 50 s
